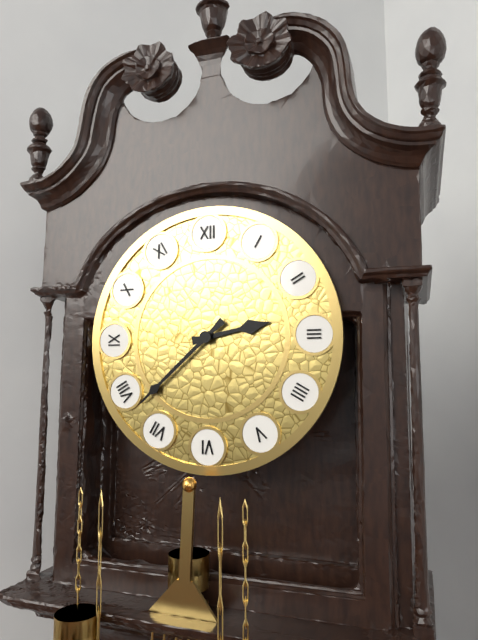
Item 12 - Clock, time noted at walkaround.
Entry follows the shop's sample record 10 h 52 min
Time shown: 2 h 38 min
